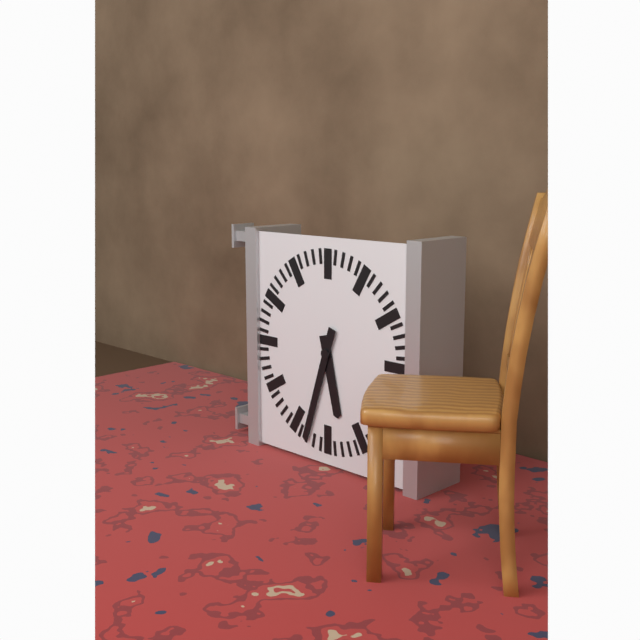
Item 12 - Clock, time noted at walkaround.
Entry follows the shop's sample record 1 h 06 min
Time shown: 5 h 33 min
